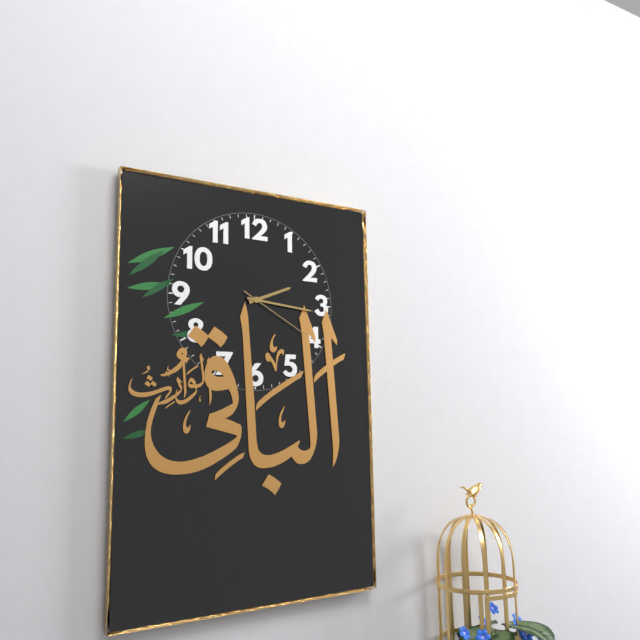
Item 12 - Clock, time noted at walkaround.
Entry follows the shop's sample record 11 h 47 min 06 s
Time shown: 2 h 16 min 20 s
